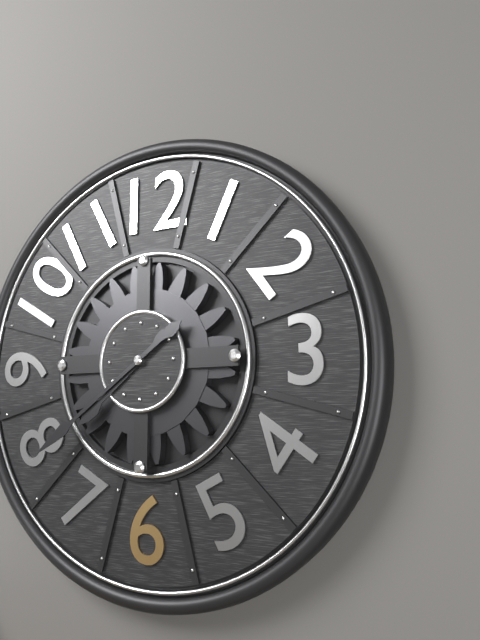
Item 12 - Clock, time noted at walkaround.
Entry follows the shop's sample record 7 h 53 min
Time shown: 7 h 39 min
